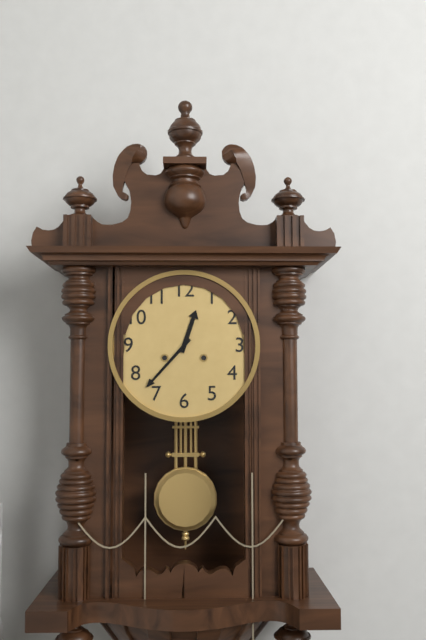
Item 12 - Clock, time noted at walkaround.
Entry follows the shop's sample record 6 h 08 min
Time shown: 12 h 37 min
